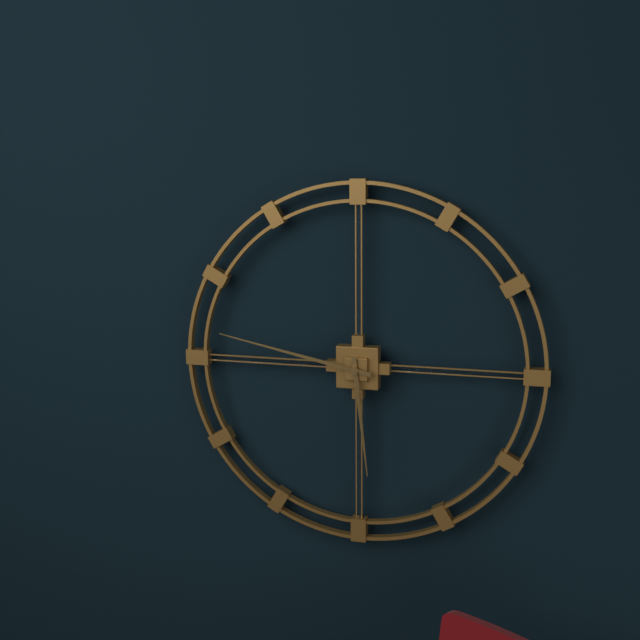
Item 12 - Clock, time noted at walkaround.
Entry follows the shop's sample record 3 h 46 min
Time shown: 5 h 47 min
